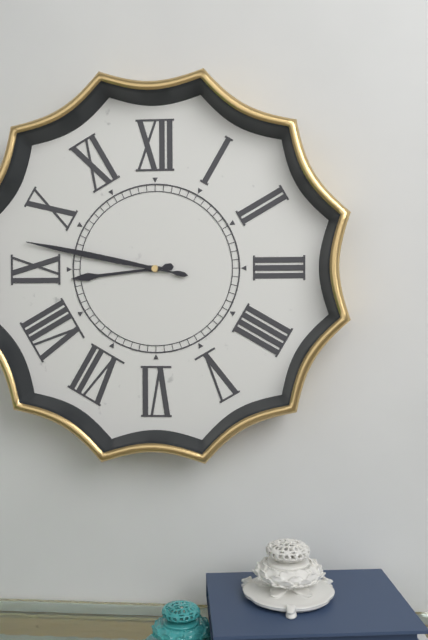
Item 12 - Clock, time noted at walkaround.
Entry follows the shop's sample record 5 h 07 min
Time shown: 8 h 47 min
